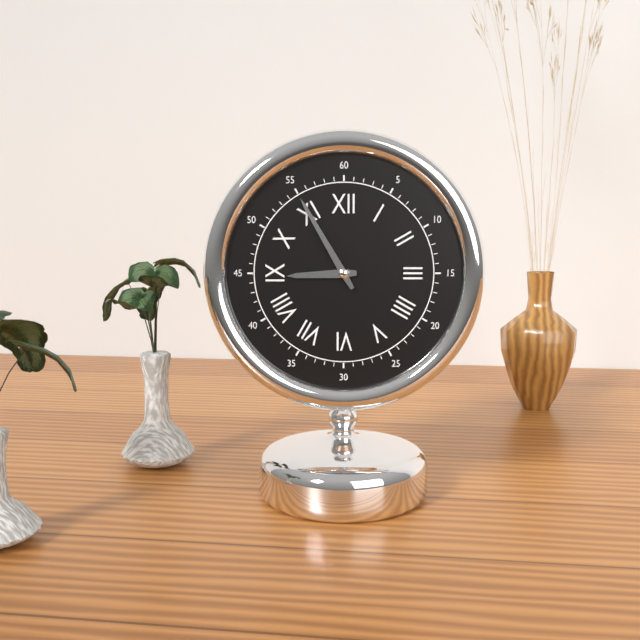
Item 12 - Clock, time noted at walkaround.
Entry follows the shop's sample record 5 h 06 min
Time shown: 8 h 55 min
